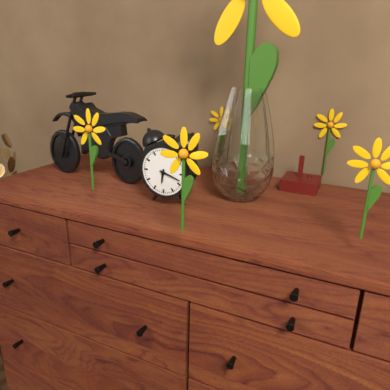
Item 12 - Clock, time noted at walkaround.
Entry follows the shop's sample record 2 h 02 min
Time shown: 6 h 18 min
